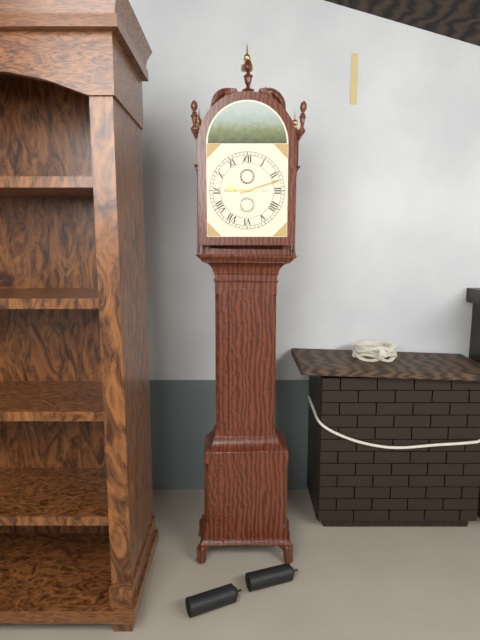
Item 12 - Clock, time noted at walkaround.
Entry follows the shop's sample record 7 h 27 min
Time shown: 9 h 12 min
